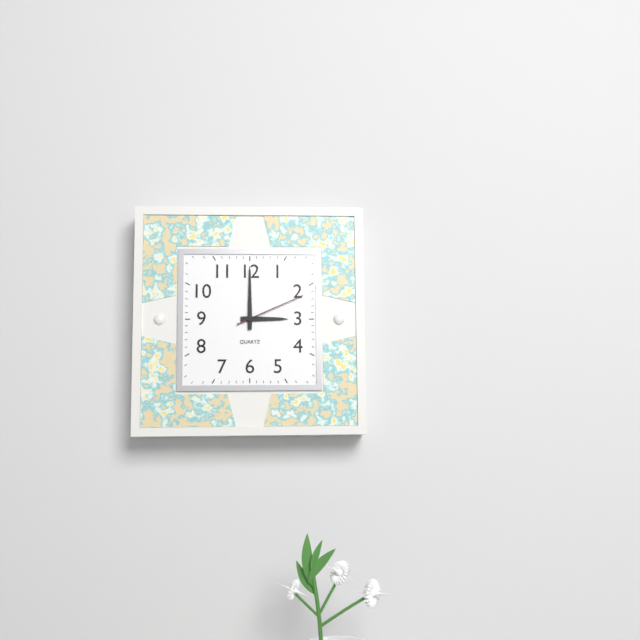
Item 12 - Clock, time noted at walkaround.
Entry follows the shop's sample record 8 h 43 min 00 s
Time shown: 3 h 00 min 11 s
